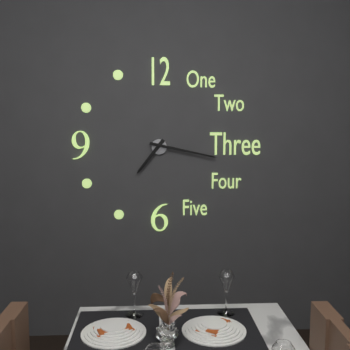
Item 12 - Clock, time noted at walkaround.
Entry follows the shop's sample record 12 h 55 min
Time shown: 7 h 17 min
